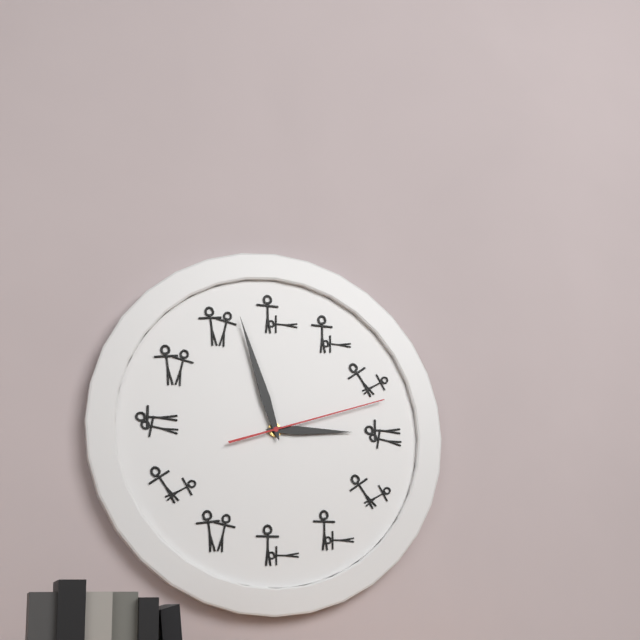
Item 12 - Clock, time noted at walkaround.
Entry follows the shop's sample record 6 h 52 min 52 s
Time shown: 2 h 57 min 12 s
